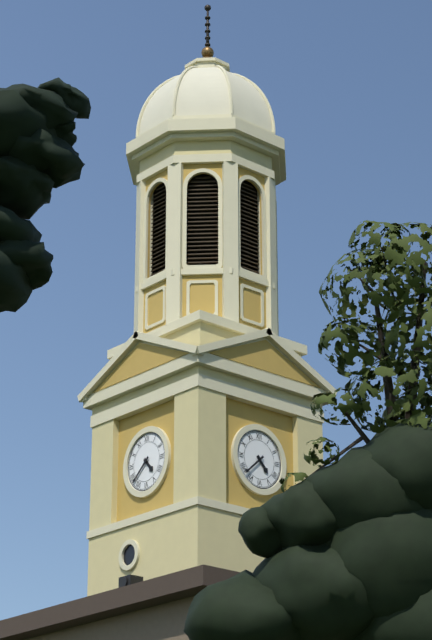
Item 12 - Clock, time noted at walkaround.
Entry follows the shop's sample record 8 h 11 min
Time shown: 4 h 38 min
